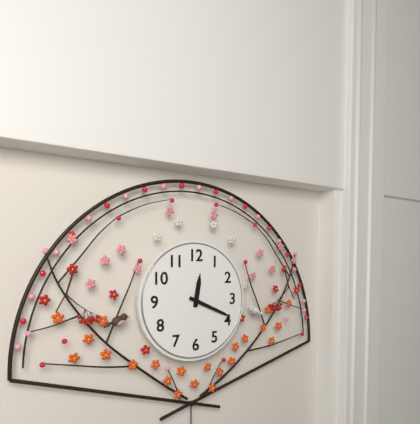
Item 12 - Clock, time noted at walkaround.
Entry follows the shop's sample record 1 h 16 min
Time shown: 12 h 19 min
